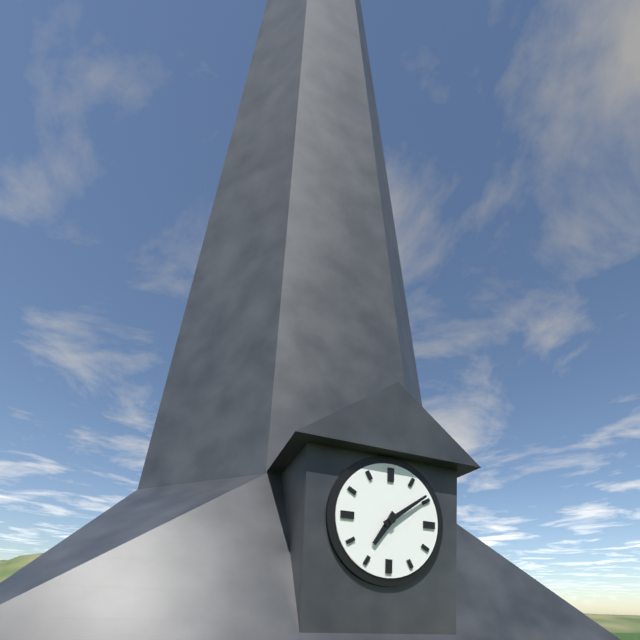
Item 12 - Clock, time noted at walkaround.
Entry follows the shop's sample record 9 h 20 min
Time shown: 7 h 09 min
